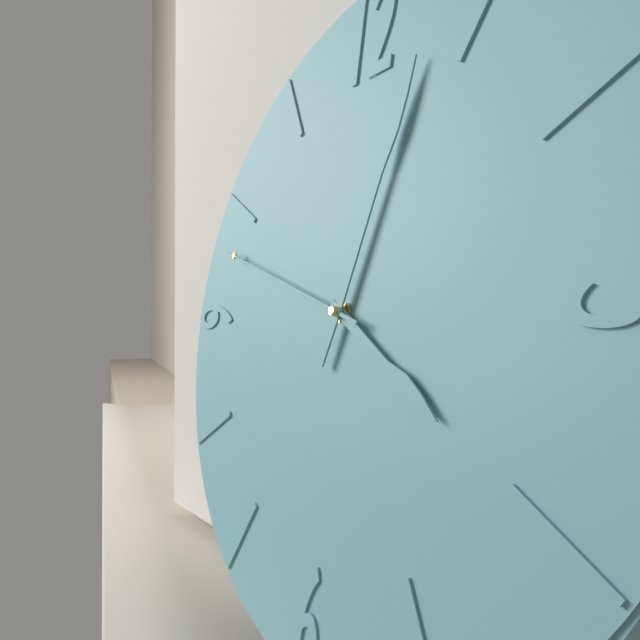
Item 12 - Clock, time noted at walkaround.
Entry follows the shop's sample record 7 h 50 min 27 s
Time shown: 4 h 03 min 48 s
